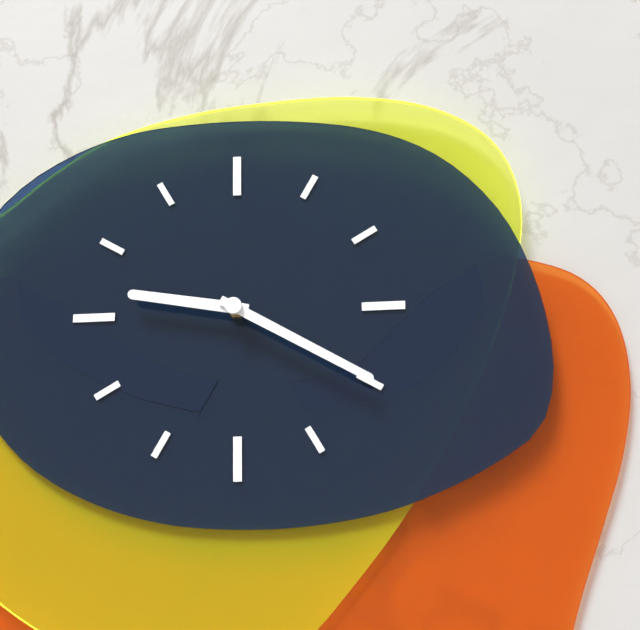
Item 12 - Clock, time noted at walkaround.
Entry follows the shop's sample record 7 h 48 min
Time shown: 9 h 20 min
